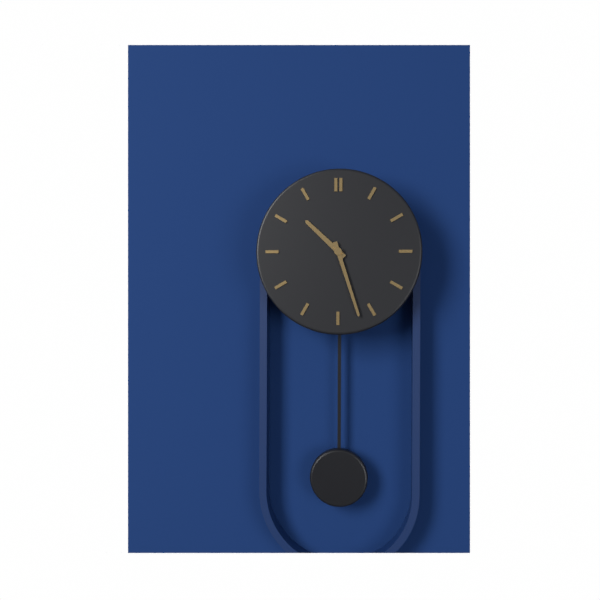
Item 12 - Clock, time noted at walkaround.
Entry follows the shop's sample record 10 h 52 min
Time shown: 10 h 27 min
